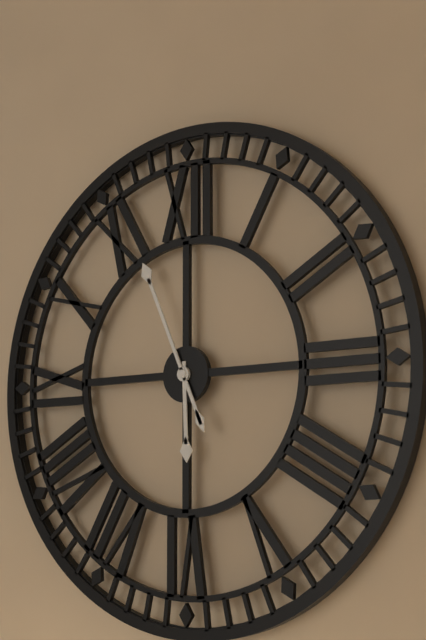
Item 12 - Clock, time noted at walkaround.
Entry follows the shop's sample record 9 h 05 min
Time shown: 5 h 56 min
